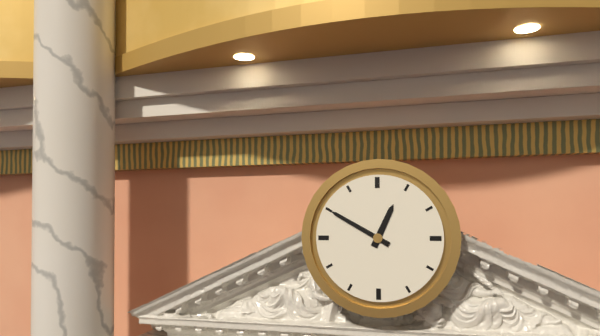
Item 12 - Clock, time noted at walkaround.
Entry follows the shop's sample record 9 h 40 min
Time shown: 12 h 50 min
